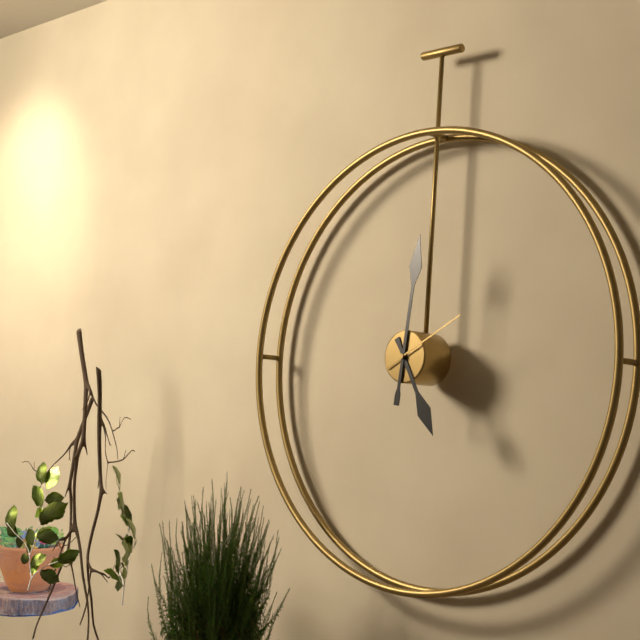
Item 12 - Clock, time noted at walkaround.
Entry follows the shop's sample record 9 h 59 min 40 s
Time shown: 5 h 01 min 10 s
